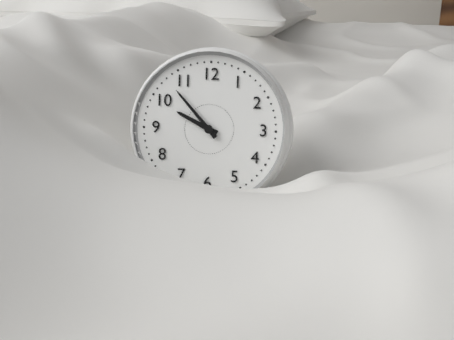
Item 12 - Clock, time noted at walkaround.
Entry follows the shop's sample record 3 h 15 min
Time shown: 9 h 53 min
